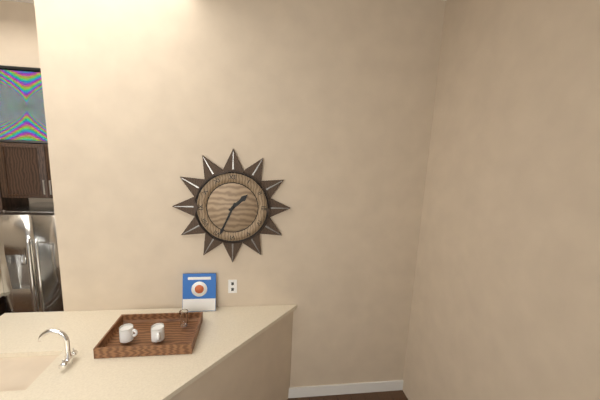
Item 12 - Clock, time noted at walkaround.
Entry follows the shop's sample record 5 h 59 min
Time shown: 1 h 34 min
